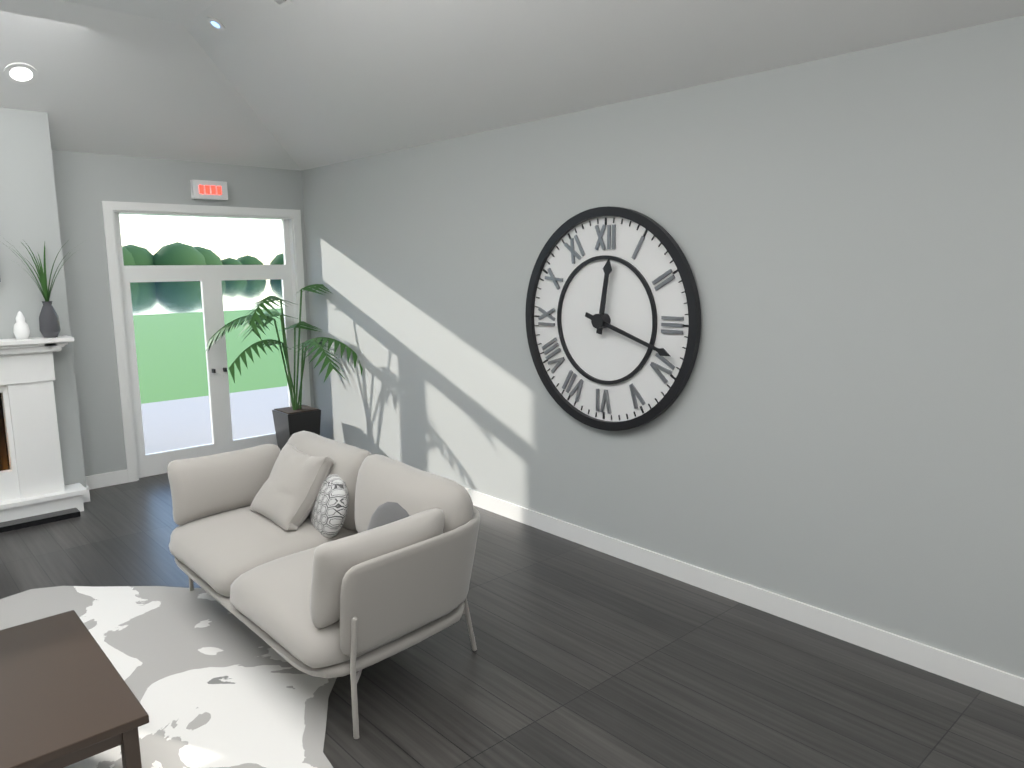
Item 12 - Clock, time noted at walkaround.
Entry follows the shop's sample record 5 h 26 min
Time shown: 12 h 18 min
